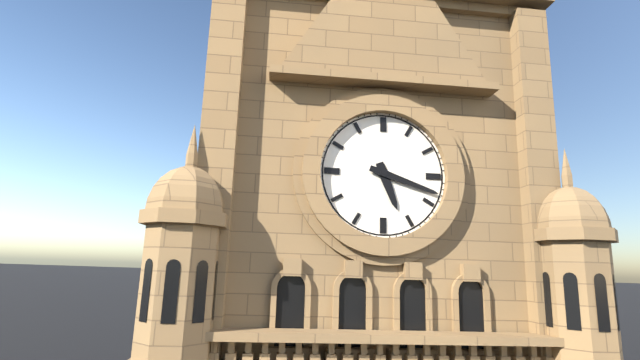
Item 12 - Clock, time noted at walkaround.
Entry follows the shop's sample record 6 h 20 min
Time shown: 5 h 18 min
